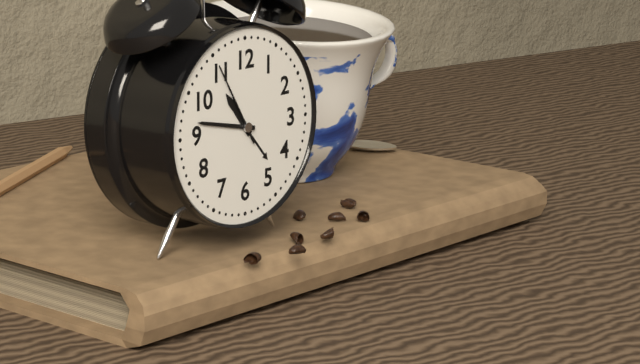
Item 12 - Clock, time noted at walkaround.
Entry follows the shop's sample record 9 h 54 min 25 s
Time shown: 10 h 47 min 55 s
